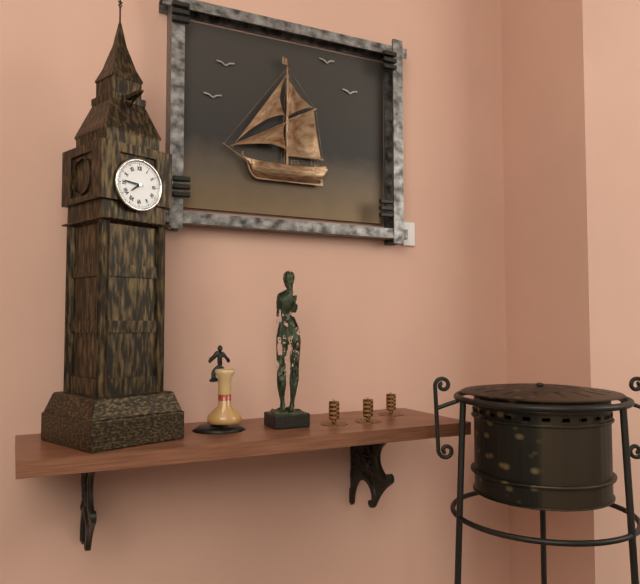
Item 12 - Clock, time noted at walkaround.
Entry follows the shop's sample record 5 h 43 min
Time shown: 7 h 46 min
